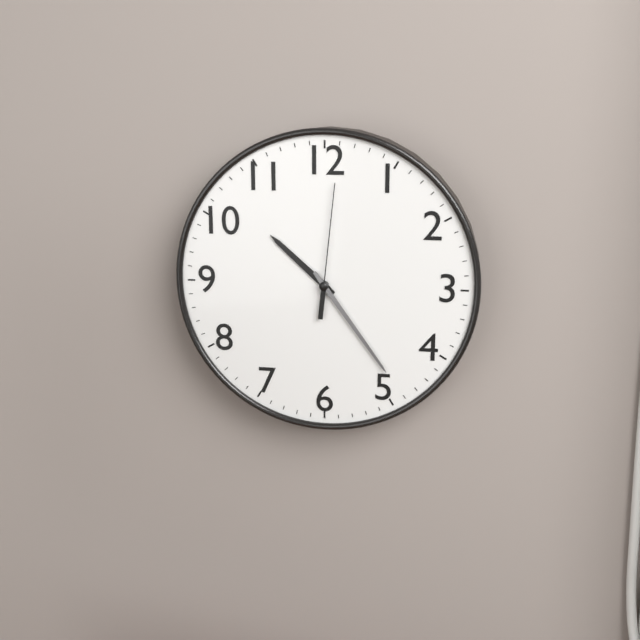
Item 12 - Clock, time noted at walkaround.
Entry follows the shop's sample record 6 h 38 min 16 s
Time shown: 10 h 24 min 01 s
